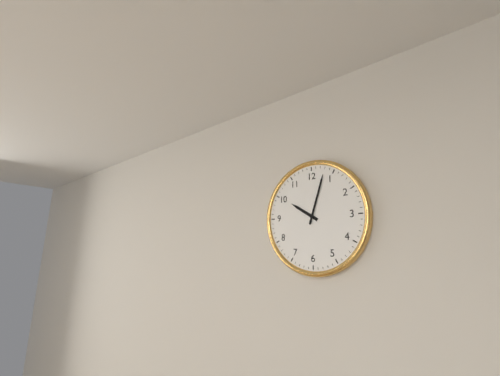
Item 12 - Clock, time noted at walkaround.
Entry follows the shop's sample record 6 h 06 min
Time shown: 10 h 03 min
